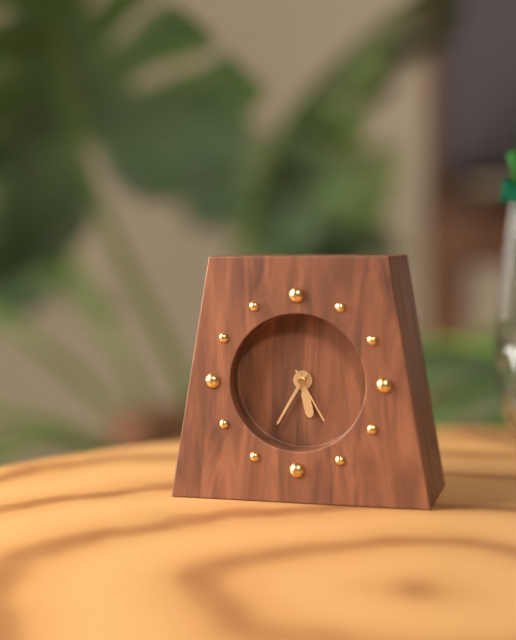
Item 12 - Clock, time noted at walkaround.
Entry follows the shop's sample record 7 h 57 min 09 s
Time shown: 5 h 35 min 25 s
